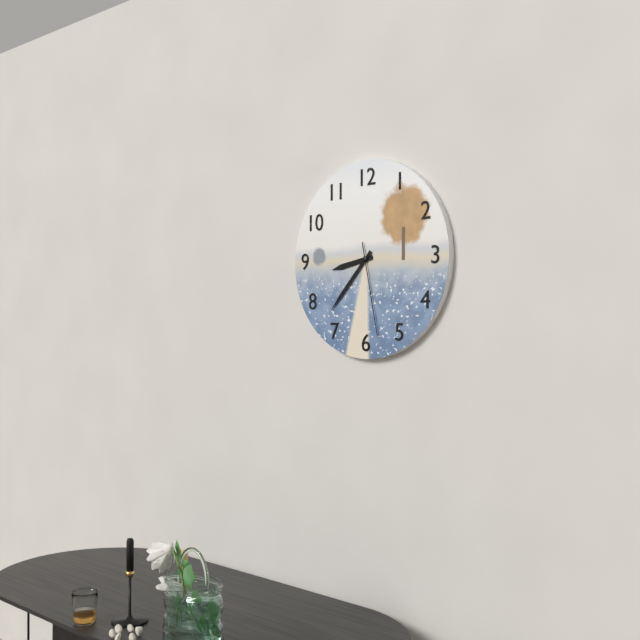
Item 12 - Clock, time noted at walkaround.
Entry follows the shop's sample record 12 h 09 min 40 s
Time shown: 8 h 37 min 28 s
